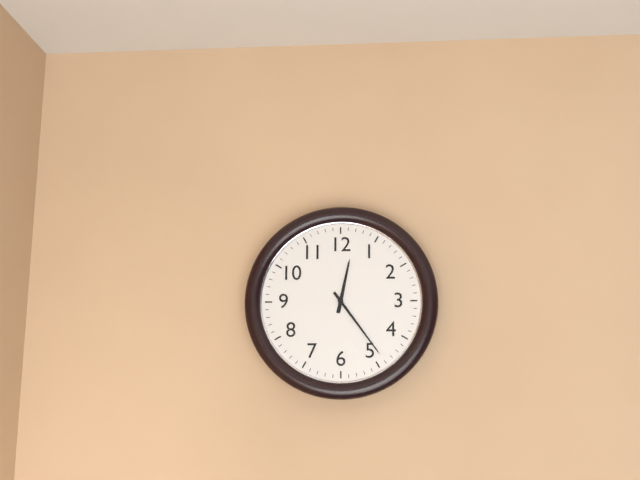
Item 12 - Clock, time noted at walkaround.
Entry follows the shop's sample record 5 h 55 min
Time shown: 12 h 24 min
